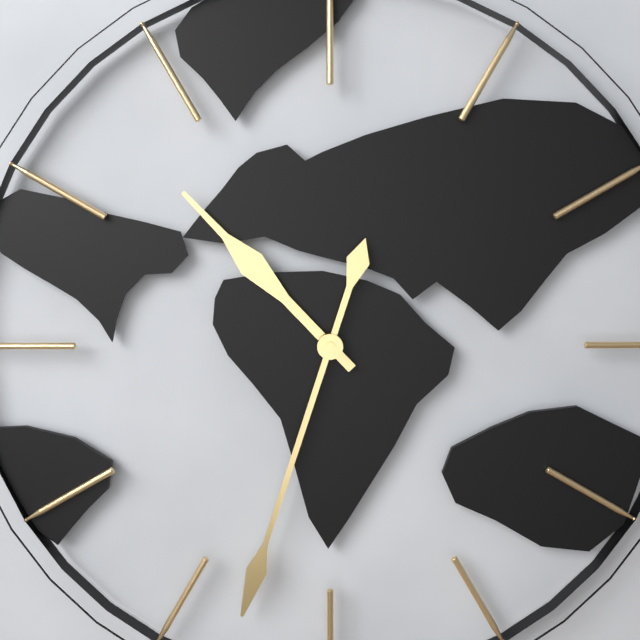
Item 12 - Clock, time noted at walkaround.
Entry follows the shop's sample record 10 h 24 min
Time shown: 10 h 33 min
